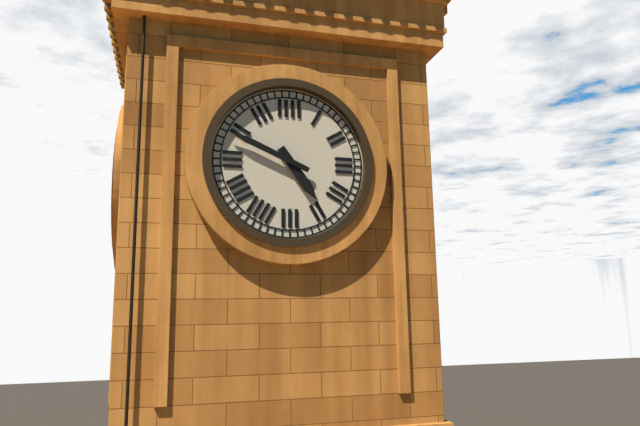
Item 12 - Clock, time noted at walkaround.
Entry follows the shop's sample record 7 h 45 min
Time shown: 4 h 49 min
